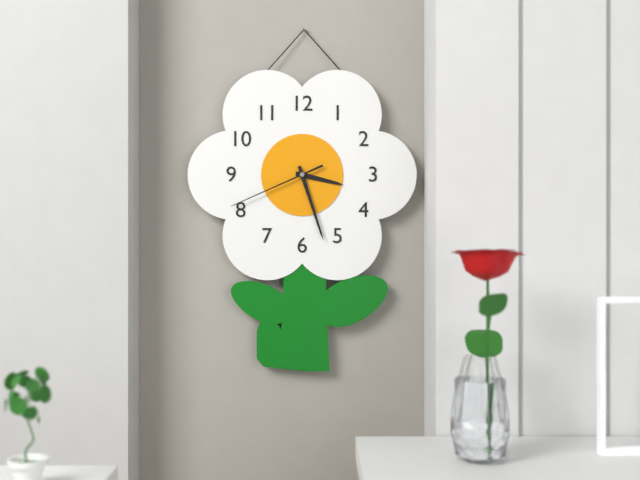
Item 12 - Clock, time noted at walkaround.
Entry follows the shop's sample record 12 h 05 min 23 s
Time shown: 3 h 27 min 41 s
